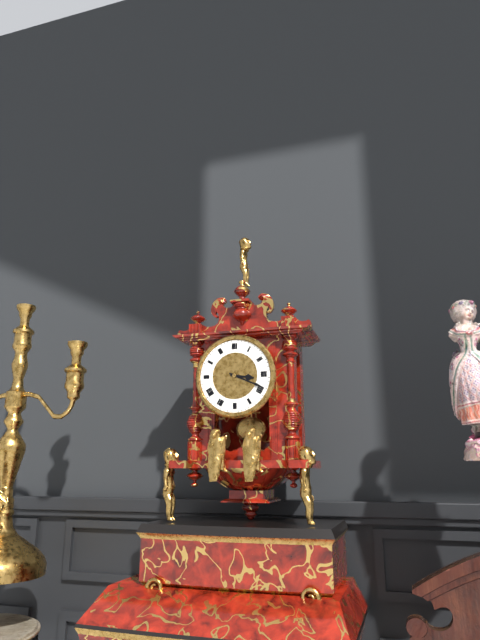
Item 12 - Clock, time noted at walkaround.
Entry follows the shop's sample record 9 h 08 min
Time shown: 3 h 19 min
